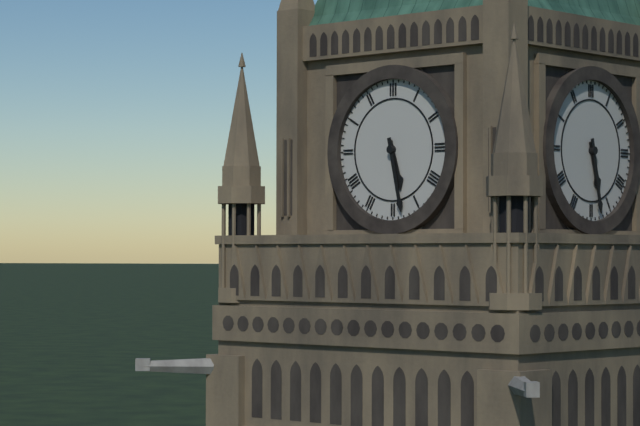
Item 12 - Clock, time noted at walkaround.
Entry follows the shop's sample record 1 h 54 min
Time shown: 5 h 28 min
